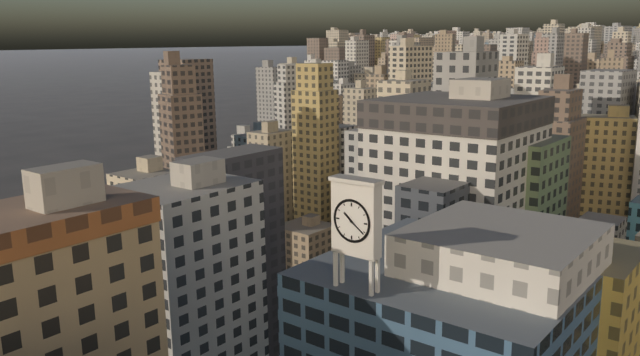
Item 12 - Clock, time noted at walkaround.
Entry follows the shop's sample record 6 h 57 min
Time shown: 10 h 21 min
